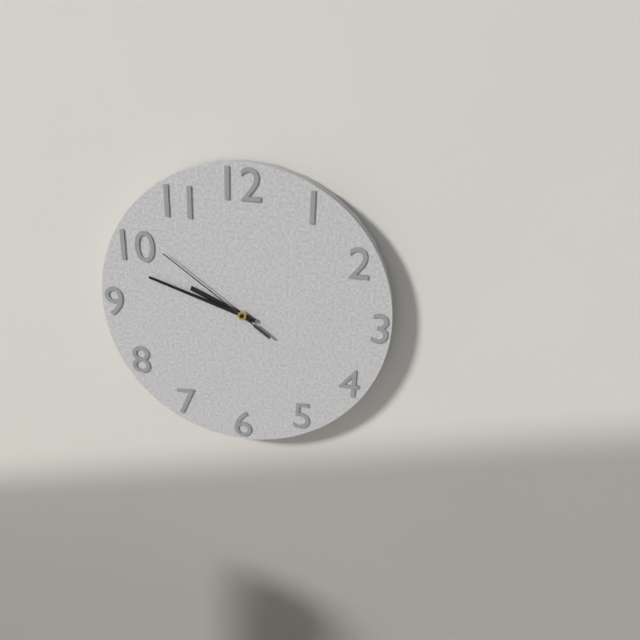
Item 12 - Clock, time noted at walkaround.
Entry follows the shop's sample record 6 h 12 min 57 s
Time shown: 9 h 48 min 51 s
